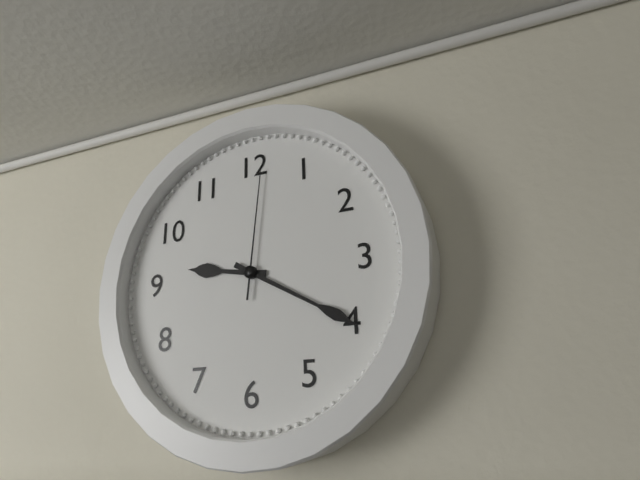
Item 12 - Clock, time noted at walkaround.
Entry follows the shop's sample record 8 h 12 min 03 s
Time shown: 9 h 20 min 01 s
